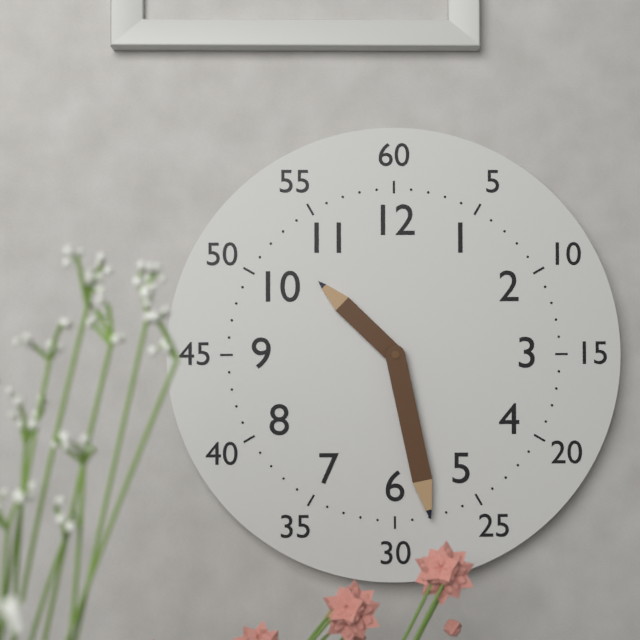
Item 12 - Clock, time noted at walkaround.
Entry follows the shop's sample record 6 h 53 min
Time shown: 10 h 28 min
